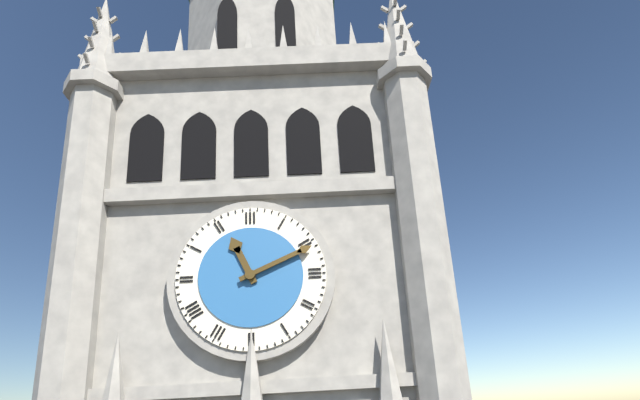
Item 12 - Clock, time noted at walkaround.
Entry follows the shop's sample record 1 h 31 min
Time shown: 11 h 11 min
